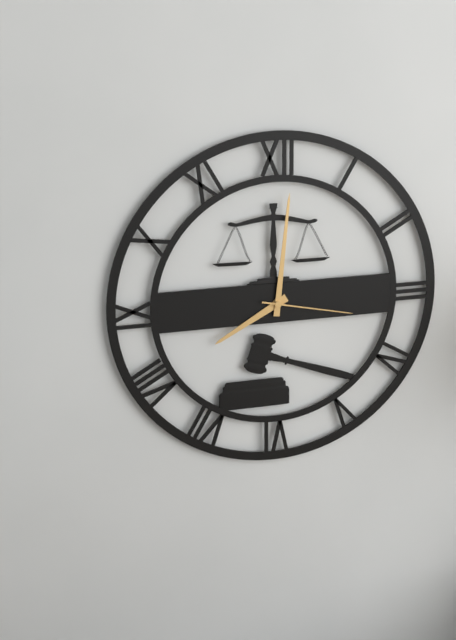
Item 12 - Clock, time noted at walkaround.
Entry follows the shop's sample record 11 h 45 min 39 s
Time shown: 8 h 01 min 17 s
